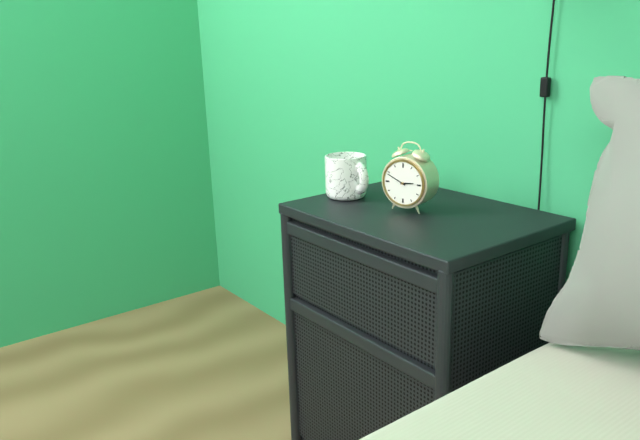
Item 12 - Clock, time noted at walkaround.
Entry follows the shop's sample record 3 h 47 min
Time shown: 2 h 49 min
